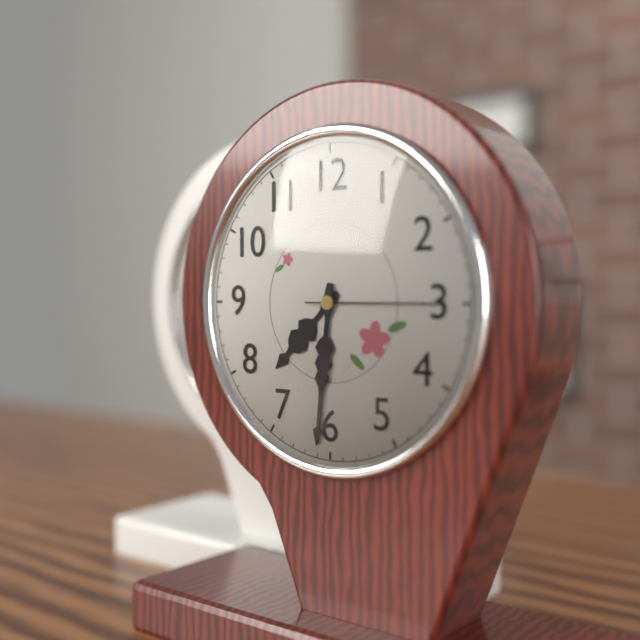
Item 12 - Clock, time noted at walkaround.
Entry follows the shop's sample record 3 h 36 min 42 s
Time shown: 7 h 31 min 15 s
